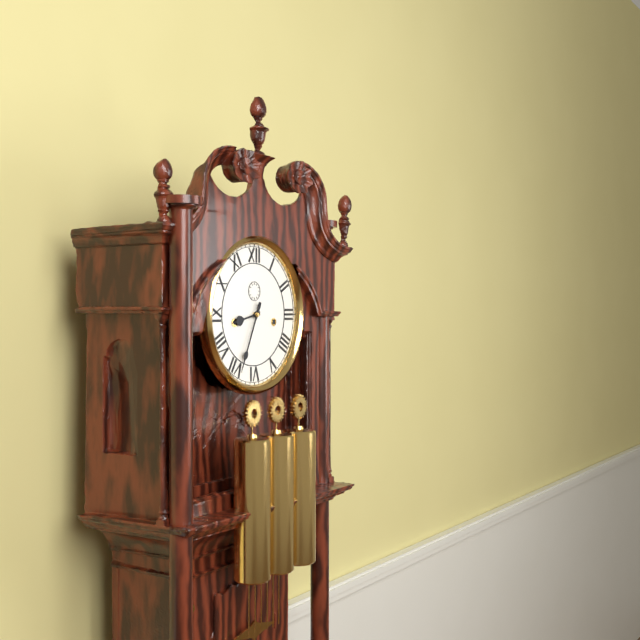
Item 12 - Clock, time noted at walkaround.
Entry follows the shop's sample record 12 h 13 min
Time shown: 8 h 34 min
